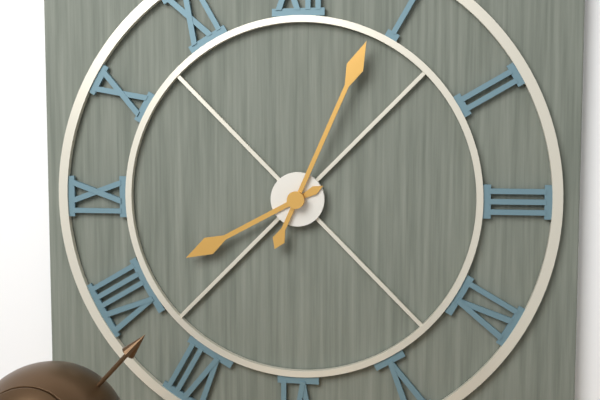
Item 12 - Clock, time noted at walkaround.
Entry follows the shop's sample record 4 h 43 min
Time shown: 8 h 04 min
